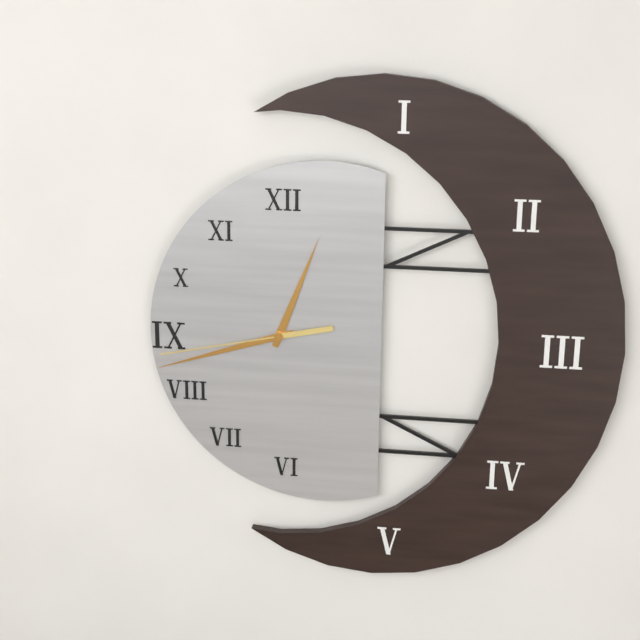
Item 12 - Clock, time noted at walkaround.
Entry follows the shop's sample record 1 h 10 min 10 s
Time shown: 12 h 42 min 43 s
